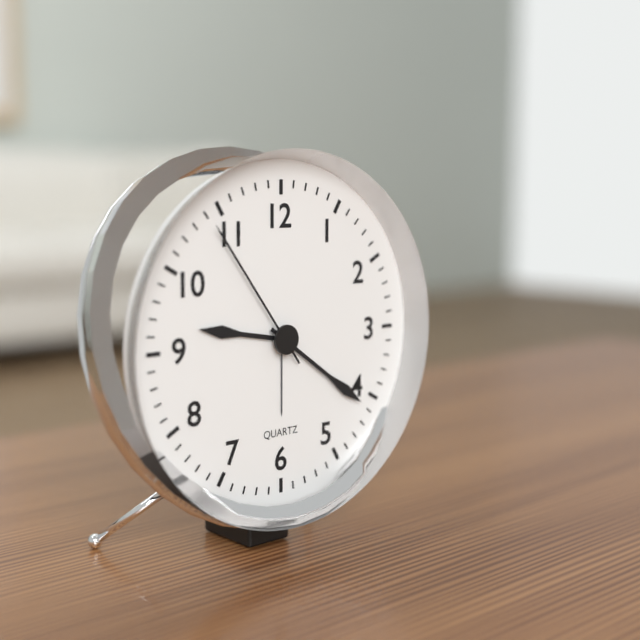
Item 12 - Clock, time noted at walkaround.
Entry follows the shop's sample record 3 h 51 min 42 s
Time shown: 9 h 21 min 54 s
